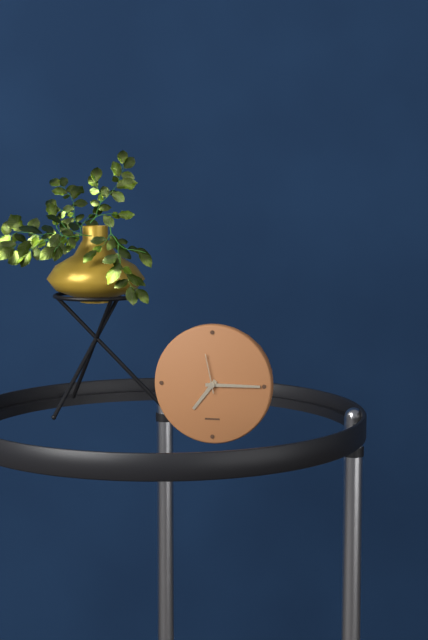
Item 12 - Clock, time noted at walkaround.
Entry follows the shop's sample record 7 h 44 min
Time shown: 7 h 15 min
